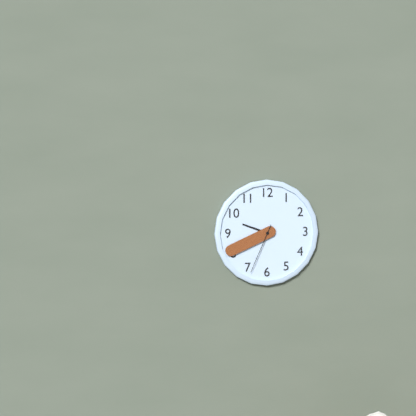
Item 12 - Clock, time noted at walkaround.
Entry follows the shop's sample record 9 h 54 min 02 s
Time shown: 9 h 41 min 34 s
